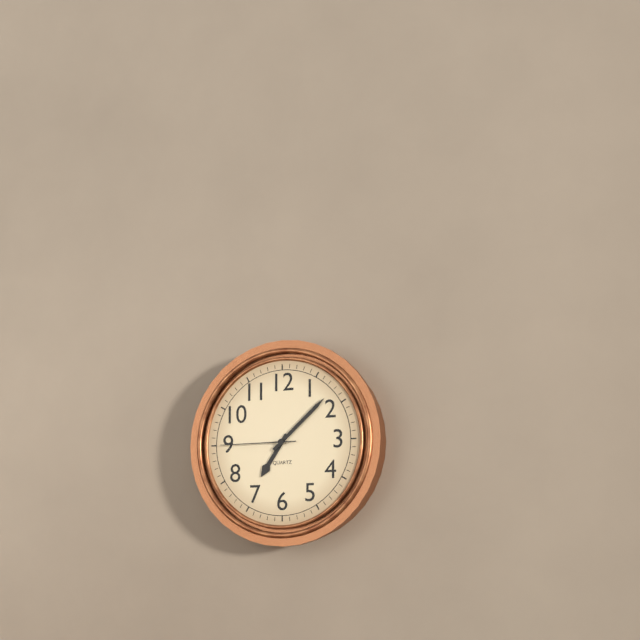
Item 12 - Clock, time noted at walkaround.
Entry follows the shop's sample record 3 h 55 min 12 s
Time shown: 7 h 08 min 45 s
